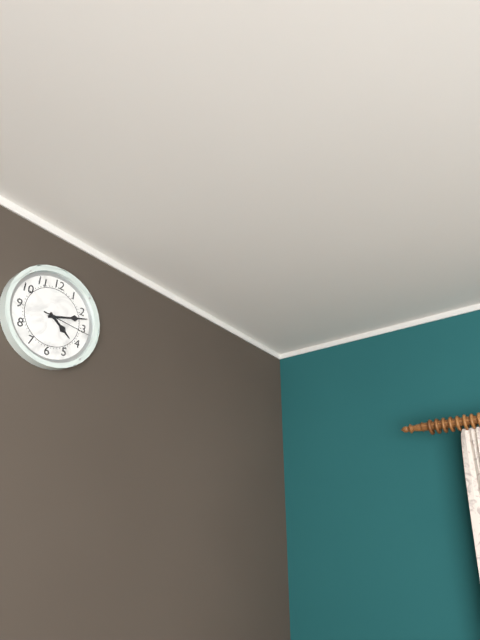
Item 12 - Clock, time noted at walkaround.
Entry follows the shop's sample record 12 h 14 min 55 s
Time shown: 4 h 12 min 16 s
